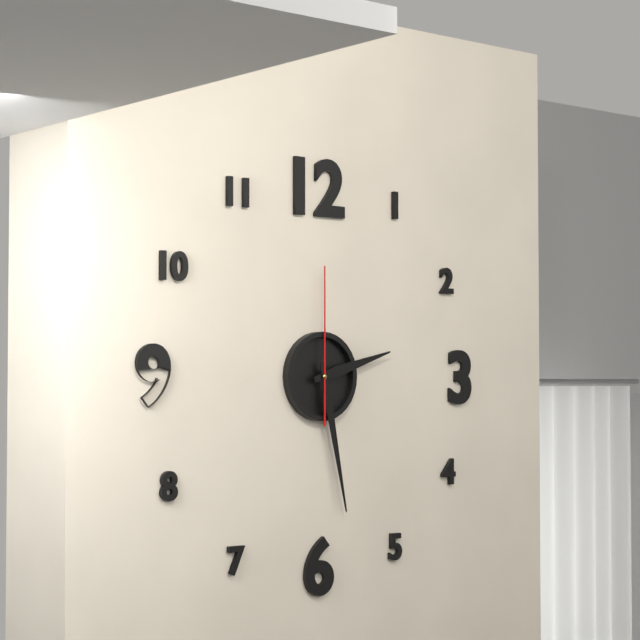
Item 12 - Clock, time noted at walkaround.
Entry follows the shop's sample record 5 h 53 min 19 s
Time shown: 2 h 28 min 00 s
